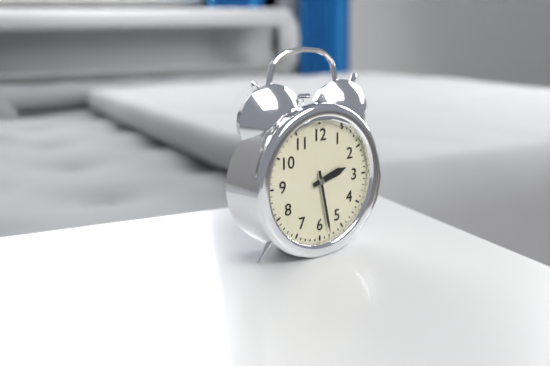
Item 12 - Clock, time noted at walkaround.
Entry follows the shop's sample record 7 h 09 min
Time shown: 2 h 28 min
